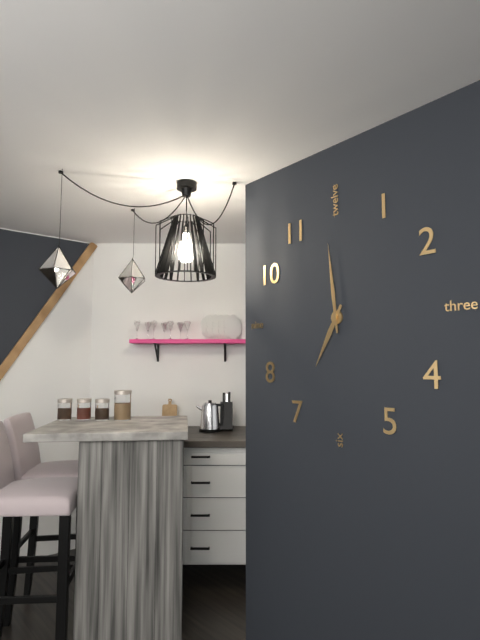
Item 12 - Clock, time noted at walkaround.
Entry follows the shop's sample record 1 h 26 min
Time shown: 6 h 59 min
